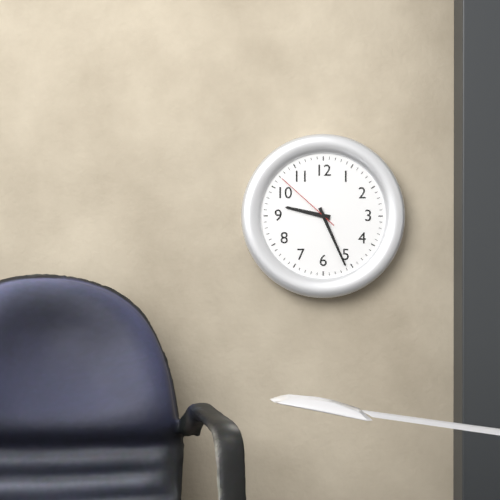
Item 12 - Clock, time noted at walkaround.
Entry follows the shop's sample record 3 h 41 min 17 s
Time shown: 9 h 26 min 52 s
